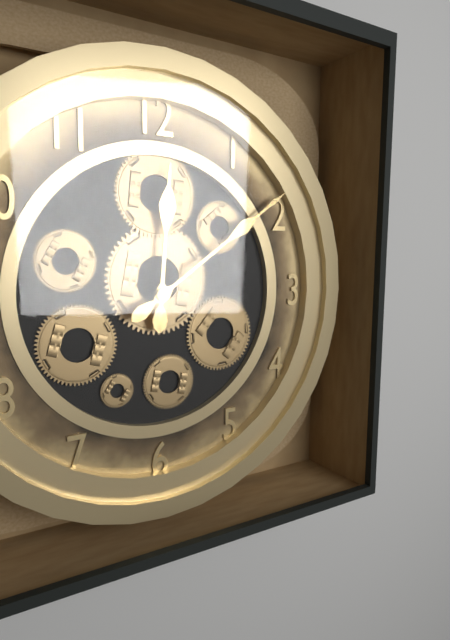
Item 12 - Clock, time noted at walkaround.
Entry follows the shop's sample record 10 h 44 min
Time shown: 12 h 09 min
